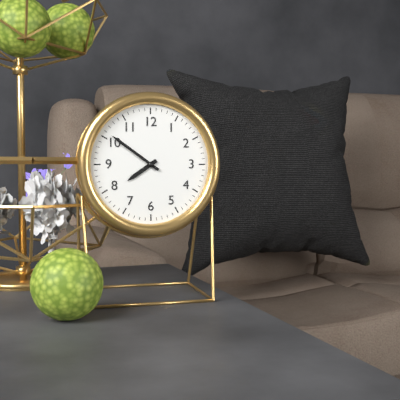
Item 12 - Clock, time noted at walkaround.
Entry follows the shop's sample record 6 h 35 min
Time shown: 7 h 51 min
